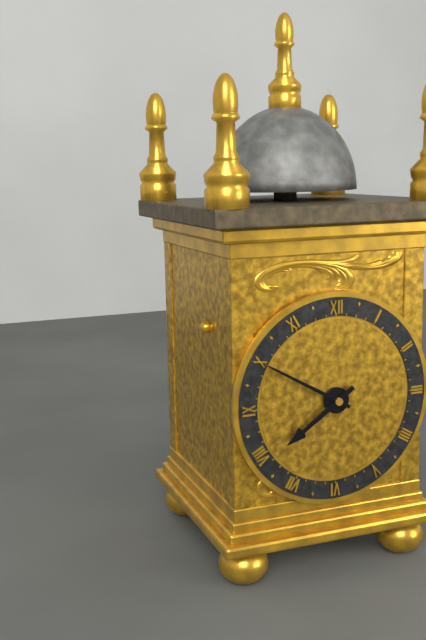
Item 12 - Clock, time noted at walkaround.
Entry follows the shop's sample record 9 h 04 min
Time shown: 7 h 50 min
